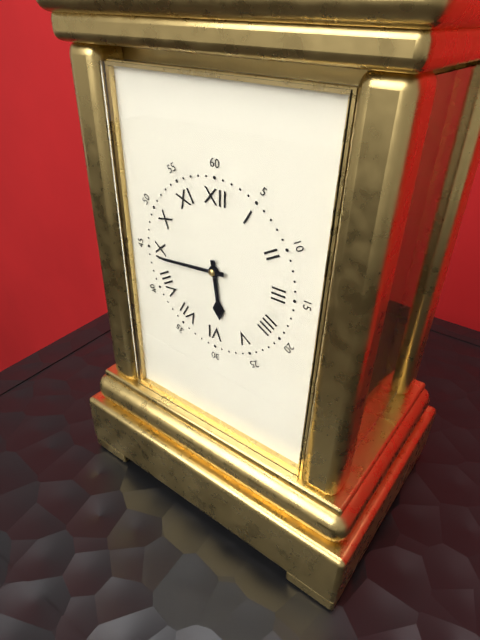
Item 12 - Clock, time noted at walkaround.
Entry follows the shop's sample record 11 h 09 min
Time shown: 5 h 44 min
